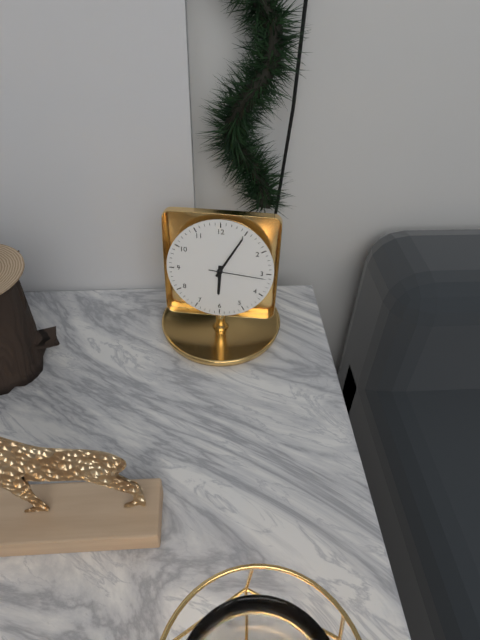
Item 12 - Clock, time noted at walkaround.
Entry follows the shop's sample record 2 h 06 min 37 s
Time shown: 6 h 05 min 16 s
